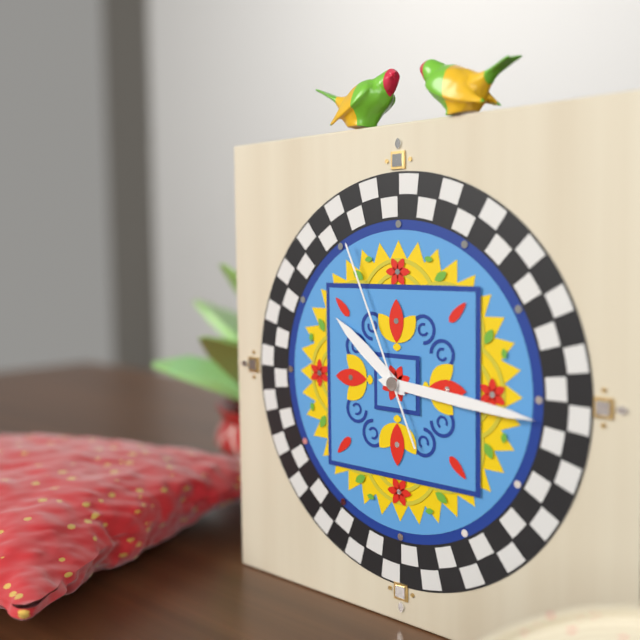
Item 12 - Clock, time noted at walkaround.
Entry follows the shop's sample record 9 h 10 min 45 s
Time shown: 10 h 16 min 56 s
